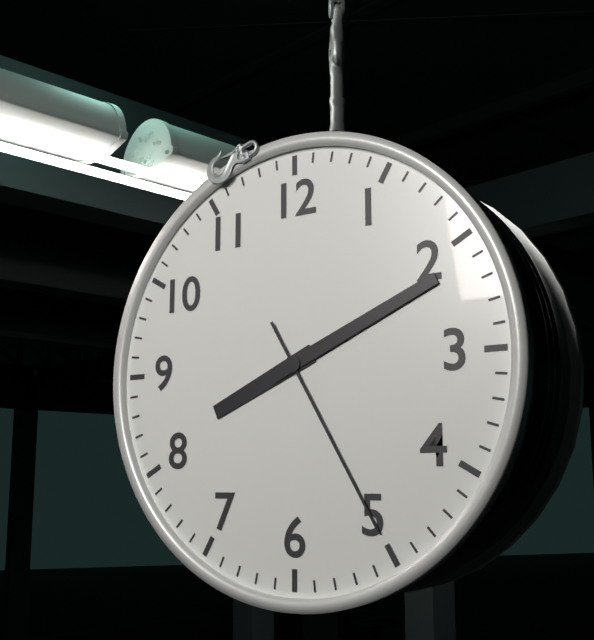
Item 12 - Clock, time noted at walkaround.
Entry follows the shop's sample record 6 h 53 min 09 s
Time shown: 8 h 11 min 25 s
